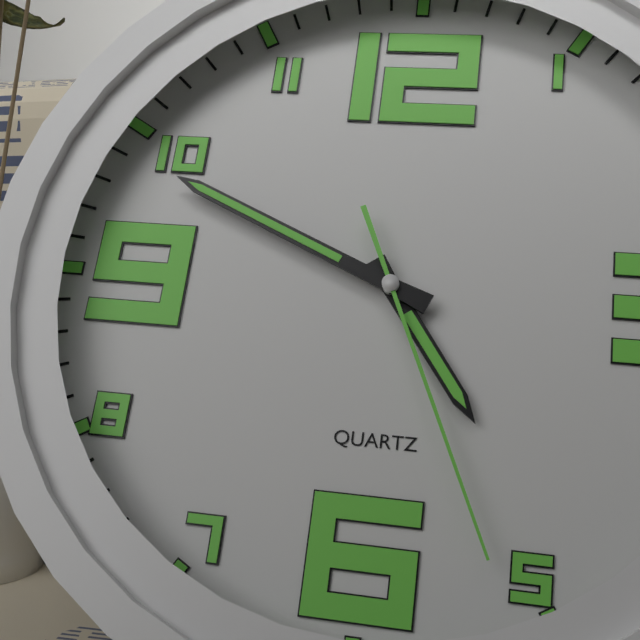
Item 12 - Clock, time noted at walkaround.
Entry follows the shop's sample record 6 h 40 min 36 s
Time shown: 4 h 49 min 26 s
